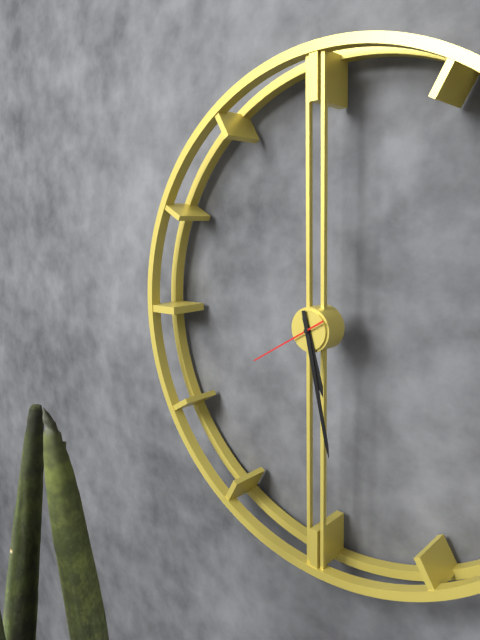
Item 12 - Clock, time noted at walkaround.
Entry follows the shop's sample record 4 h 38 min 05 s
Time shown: 5 h 28 min 40 s
